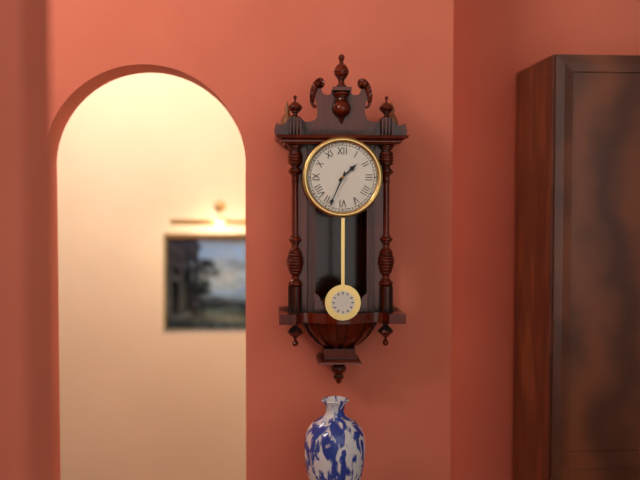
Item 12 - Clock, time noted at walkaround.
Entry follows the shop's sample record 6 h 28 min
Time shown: 1 h 34 min
